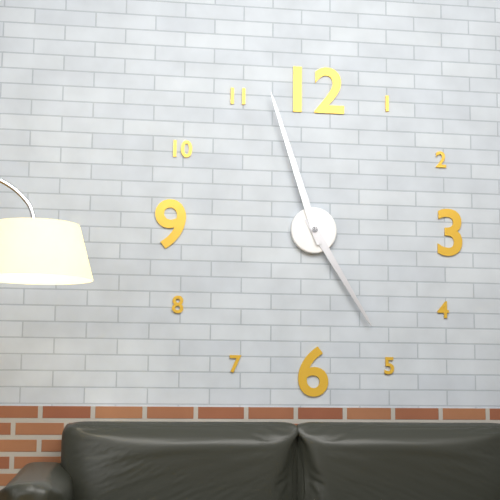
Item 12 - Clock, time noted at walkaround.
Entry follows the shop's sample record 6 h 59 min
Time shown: 4 h 57 min
